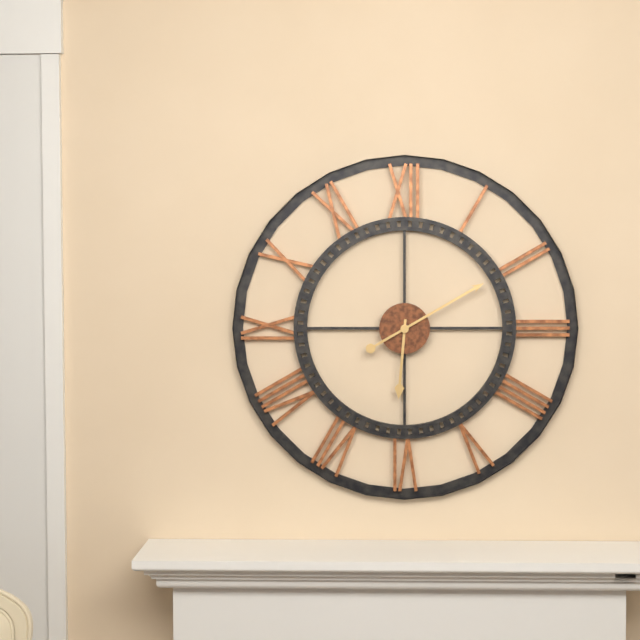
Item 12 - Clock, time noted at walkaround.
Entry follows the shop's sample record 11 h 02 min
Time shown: 6 h 10 min
